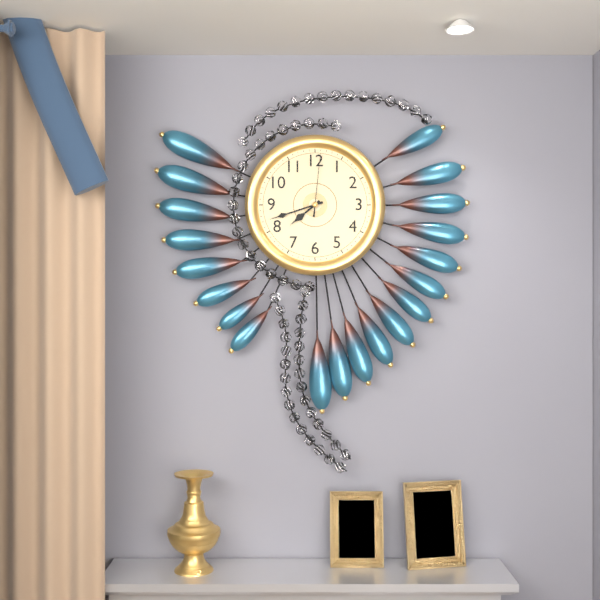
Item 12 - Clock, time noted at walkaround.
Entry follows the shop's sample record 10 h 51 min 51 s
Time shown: 7 h 42 min 01 s
